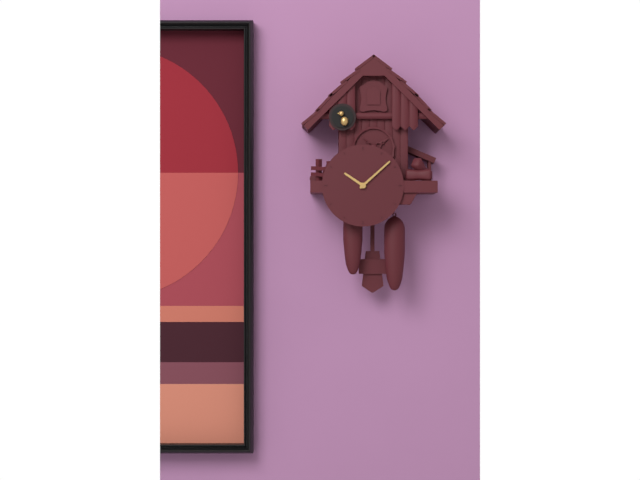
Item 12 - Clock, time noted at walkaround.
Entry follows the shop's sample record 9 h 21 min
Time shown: 10 h 08 min
